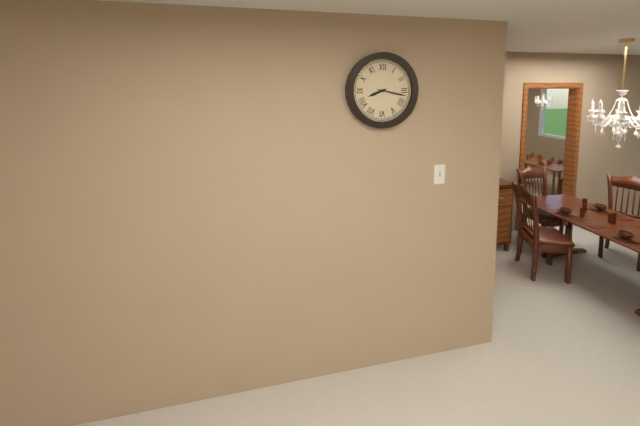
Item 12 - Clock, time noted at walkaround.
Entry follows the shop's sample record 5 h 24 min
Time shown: 8 h 17 min
